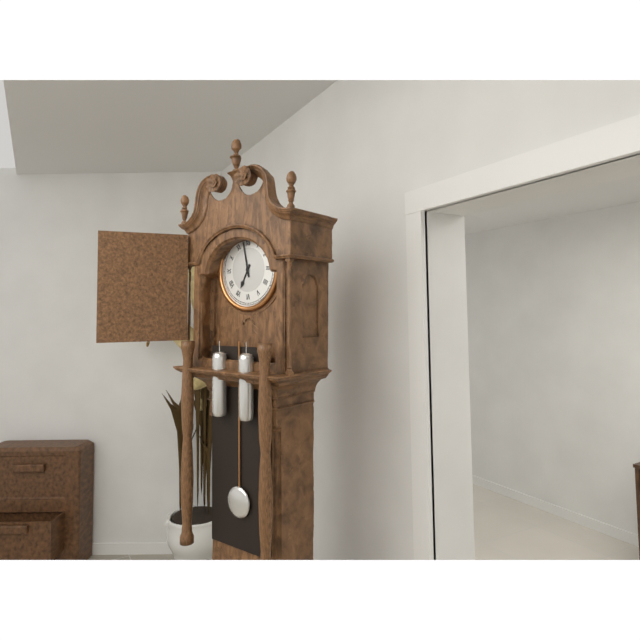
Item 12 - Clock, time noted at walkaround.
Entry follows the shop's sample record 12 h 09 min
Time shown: 6 h 58 min
